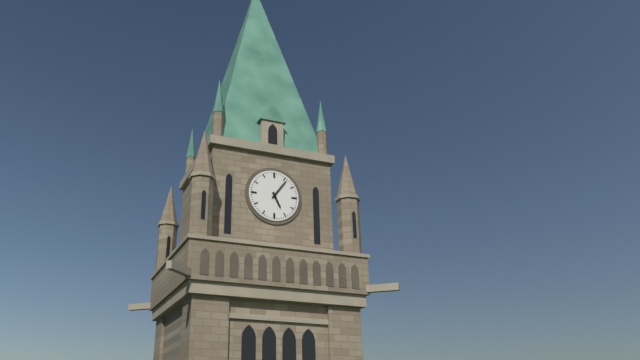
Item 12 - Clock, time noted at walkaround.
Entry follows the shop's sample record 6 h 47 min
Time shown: 5 h 06 min
